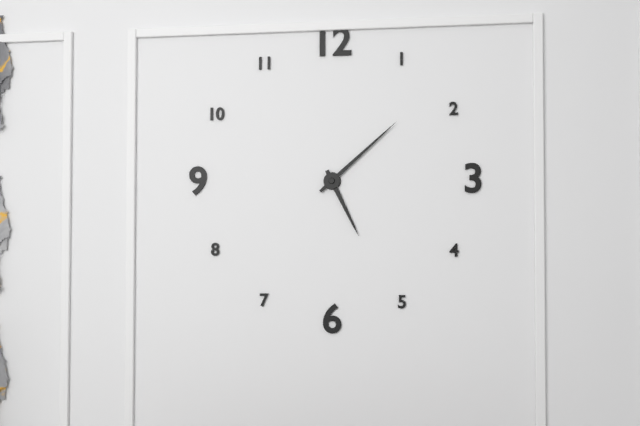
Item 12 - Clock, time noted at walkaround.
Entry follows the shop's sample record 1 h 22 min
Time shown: 5 h 08 min
